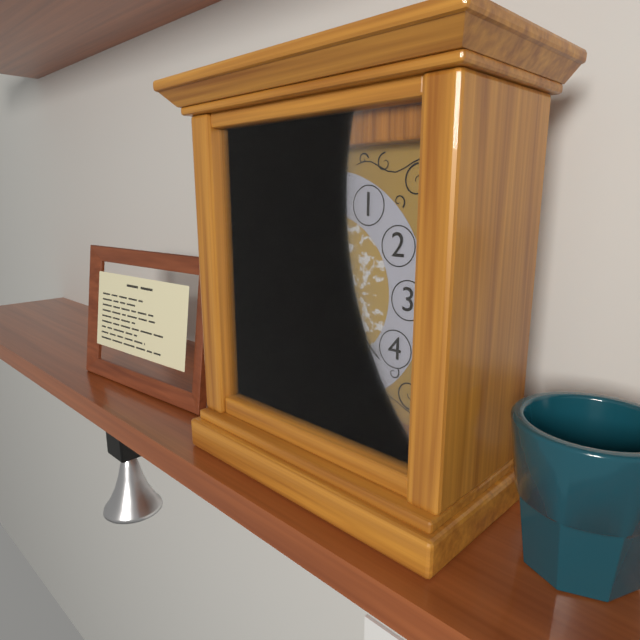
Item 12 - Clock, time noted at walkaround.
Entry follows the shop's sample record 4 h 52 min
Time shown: 7 h 22 min
